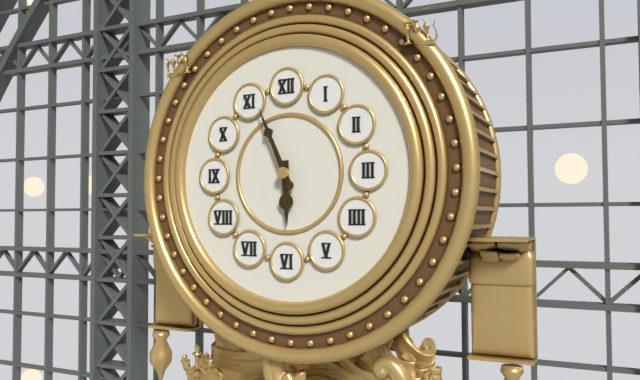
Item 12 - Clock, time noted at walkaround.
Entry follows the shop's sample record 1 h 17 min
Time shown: 5 h 56 min
